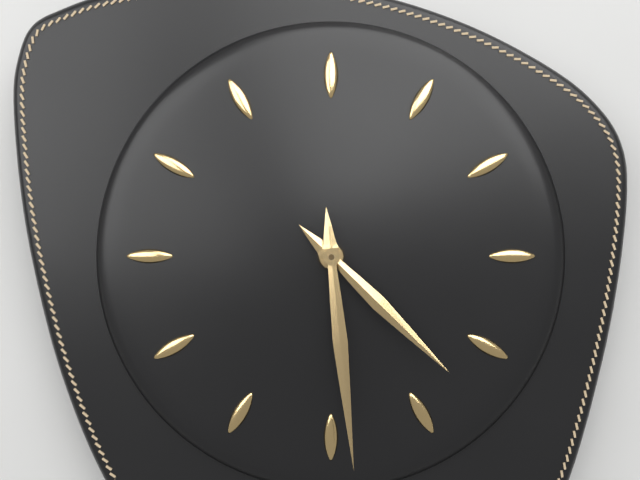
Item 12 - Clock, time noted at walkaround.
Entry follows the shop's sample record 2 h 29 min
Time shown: 4 h 29 min
